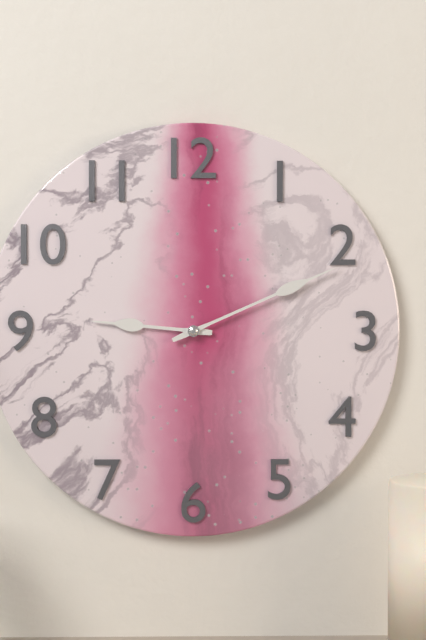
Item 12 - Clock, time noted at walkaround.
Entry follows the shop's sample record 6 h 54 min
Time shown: 9 h 11 min
